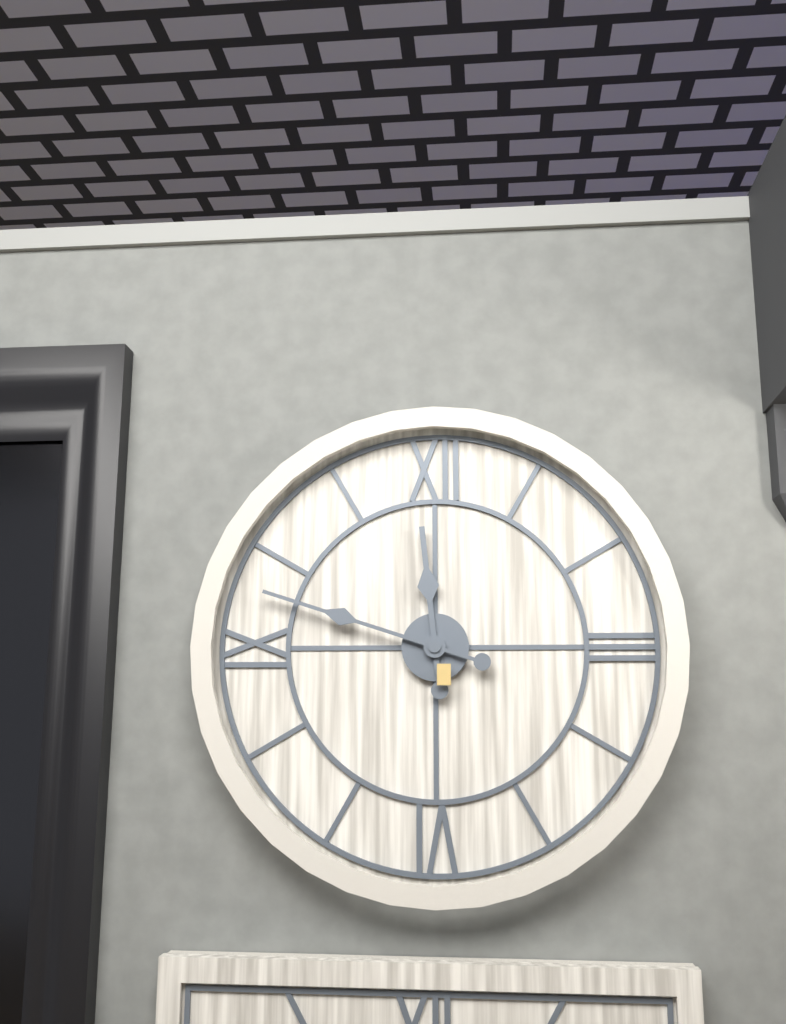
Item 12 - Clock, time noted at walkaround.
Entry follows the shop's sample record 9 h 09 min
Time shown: 11 h 48 min
